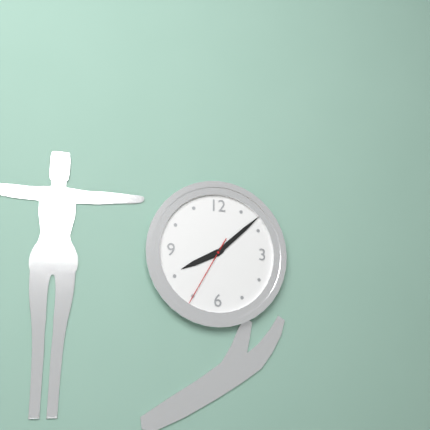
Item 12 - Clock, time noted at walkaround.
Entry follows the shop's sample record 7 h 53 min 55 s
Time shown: 8 h 08 min 35 s
